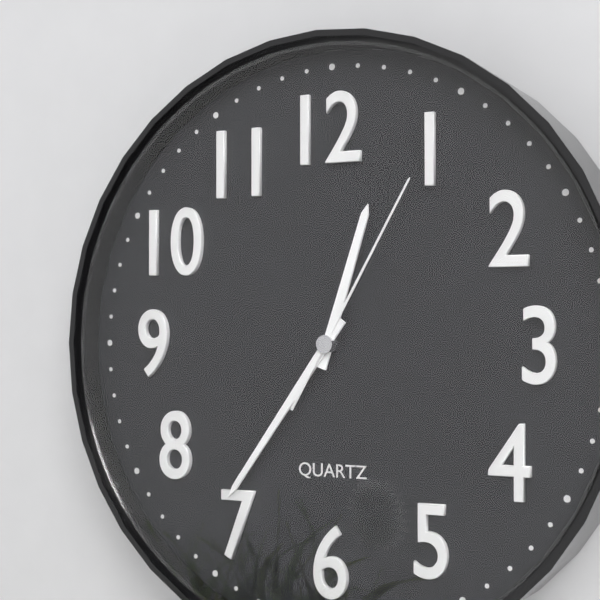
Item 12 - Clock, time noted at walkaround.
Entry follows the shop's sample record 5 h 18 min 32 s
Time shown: 12 h 36 min 05 s
